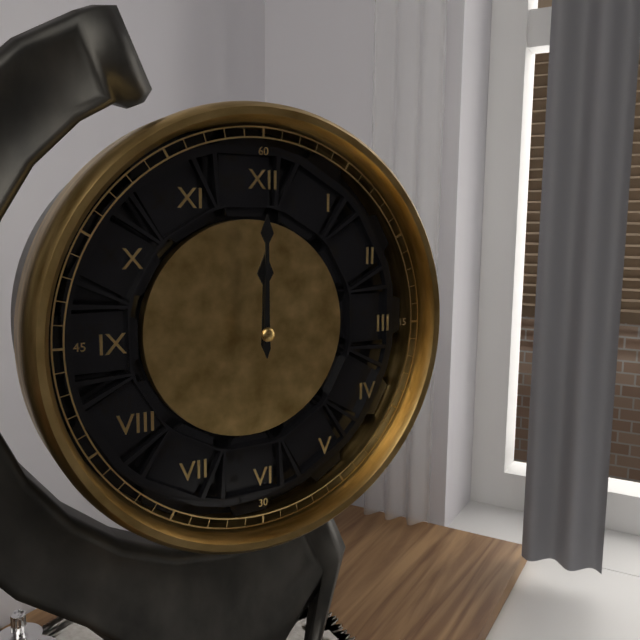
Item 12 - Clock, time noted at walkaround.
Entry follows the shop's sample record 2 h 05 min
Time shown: 12 h 00 min
